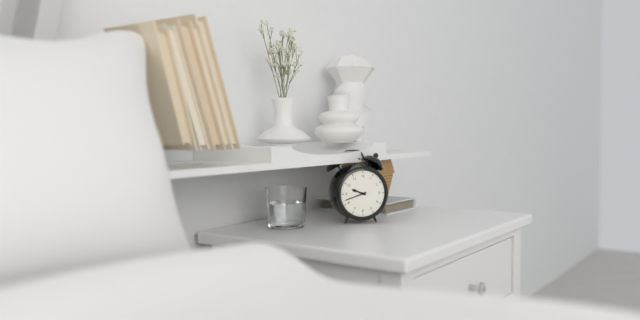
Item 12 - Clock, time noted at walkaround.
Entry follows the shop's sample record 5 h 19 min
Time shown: 9 h 42 min
